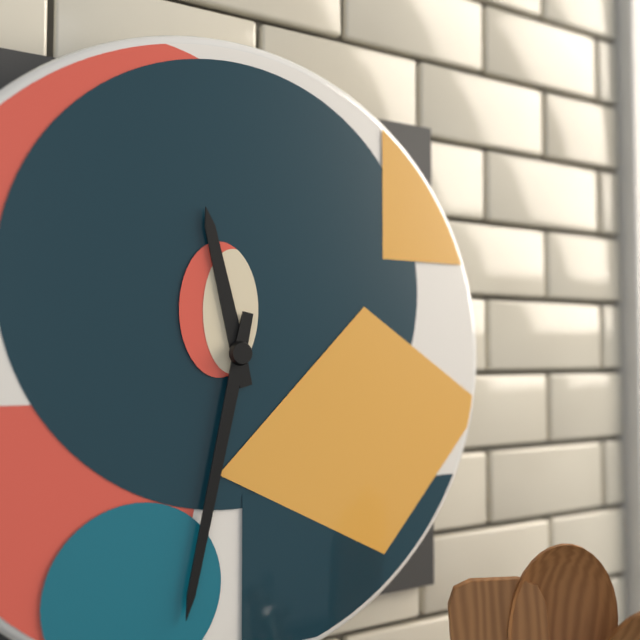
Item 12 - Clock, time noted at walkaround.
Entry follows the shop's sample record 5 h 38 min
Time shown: 11 h 32 min
